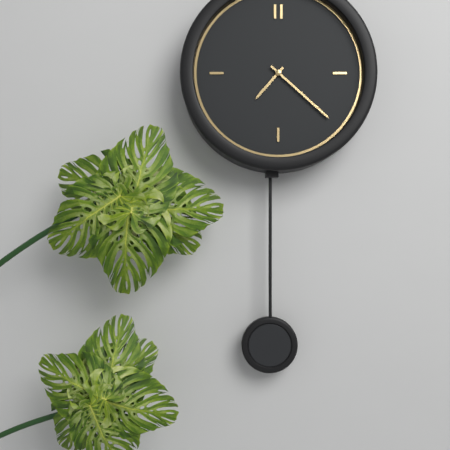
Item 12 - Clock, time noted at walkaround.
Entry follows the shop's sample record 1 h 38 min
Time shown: 7 h 22 min
